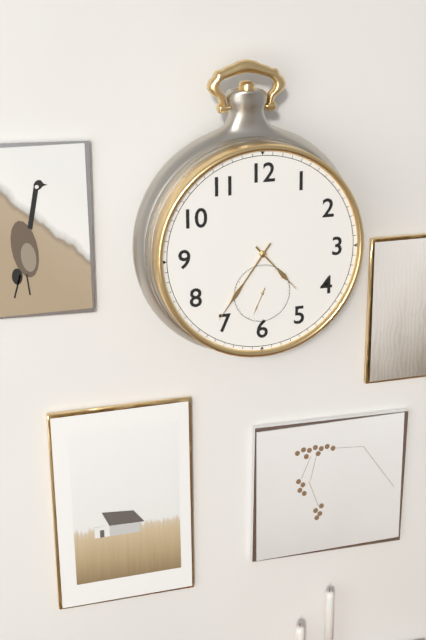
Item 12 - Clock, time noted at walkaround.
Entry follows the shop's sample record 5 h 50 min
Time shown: 4 h 36 min
